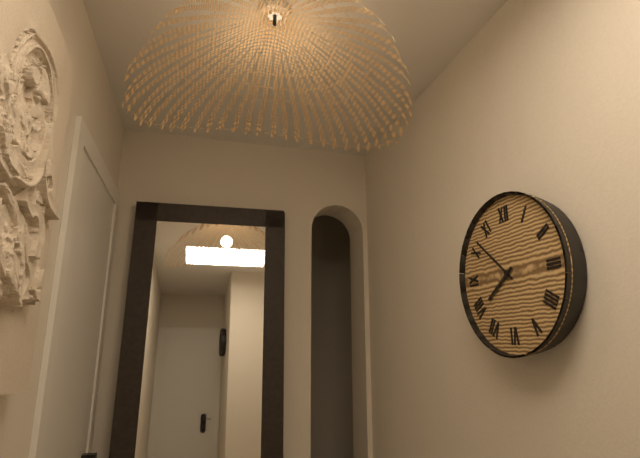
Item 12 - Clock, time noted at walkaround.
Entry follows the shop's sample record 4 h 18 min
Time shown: 7 h 52 min
